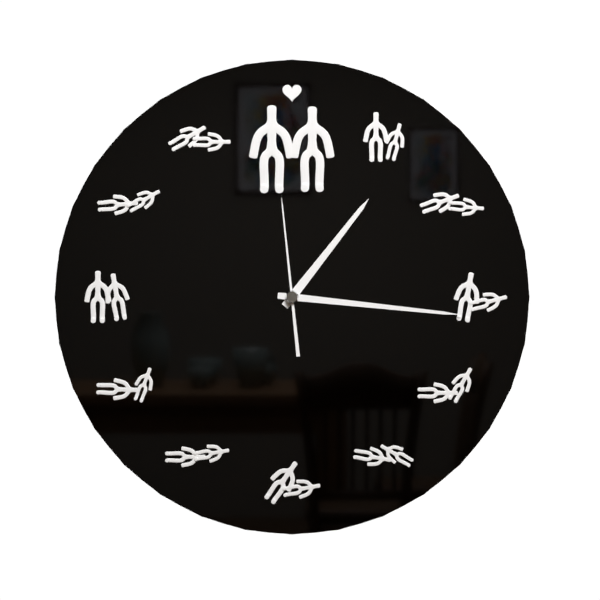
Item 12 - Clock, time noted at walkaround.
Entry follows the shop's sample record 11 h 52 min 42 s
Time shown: 1 h 16 min 59 s
